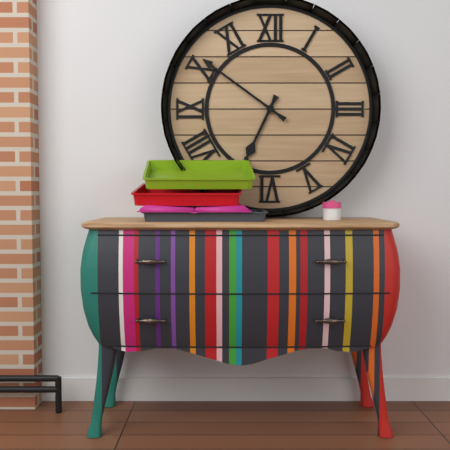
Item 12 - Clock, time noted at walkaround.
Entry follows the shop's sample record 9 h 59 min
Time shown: 6 h 51 min
